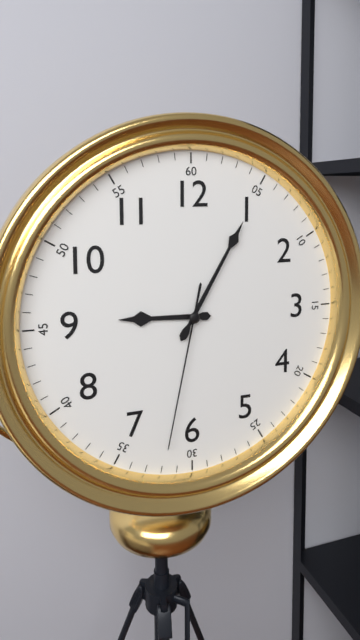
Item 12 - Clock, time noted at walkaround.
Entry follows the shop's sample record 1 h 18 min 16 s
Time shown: 9 h 05 min 32 s
